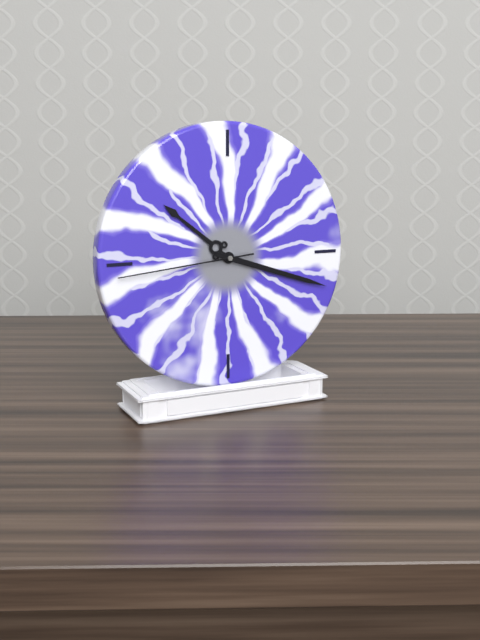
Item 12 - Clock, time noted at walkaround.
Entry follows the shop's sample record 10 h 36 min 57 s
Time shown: 10 h 18 min 44 s
